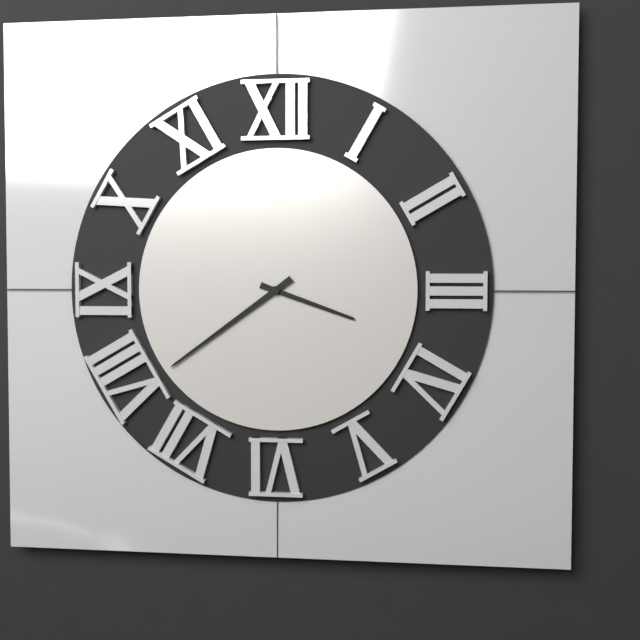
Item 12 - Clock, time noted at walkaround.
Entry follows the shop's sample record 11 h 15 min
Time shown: 3 h 39 min
